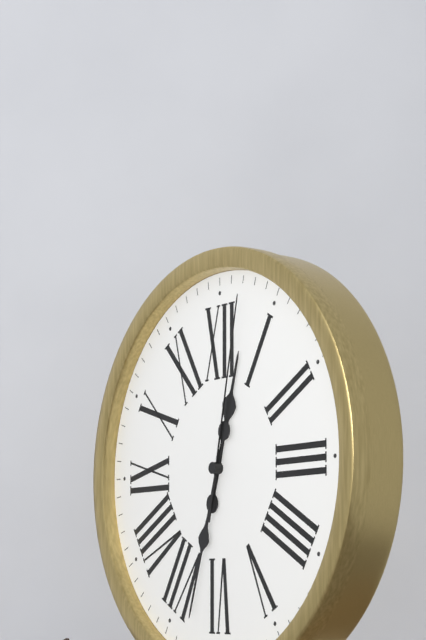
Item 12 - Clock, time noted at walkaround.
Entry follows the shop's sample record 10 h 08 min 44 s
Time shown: 12 h 33 min 02 s
